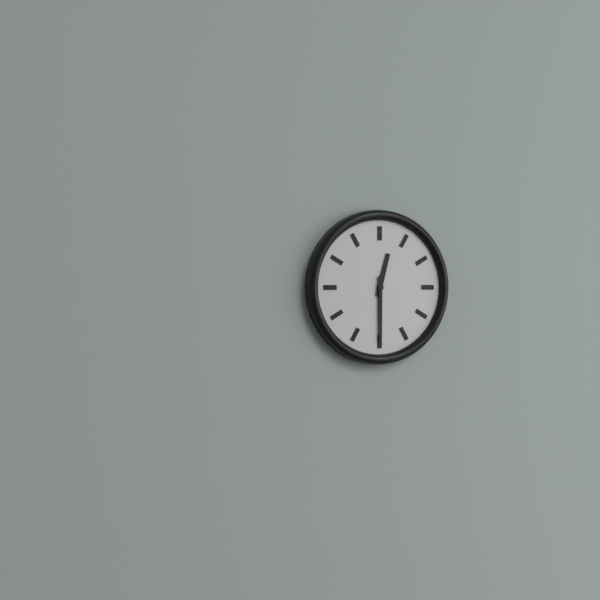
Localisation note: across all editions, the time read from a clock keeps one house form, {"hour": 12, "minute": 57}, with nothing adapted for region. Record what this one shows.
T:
{"hour": 12, "minute": 30}
